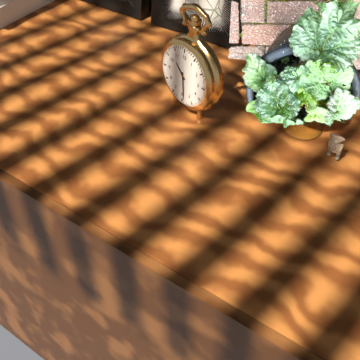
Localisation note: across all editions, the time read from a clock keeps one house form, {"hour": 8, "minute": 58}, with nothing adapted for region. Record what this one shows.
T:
{"hour": 10, "minute": 29}
